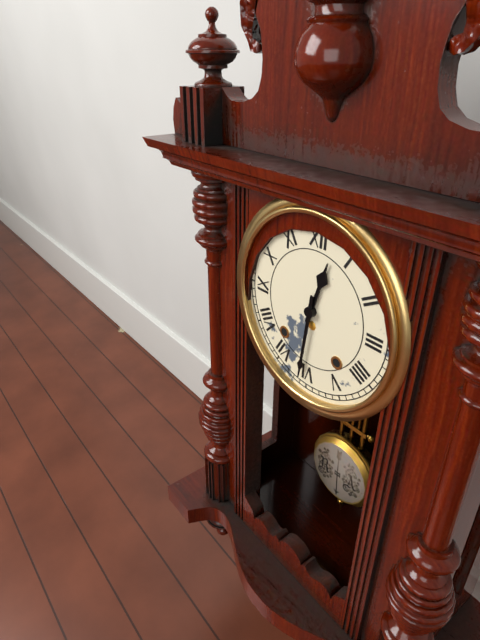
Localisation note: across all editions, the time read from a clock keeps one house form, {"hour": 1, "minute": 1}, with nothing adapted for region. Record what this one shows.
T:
{"hour": 12, "minute": 31}
